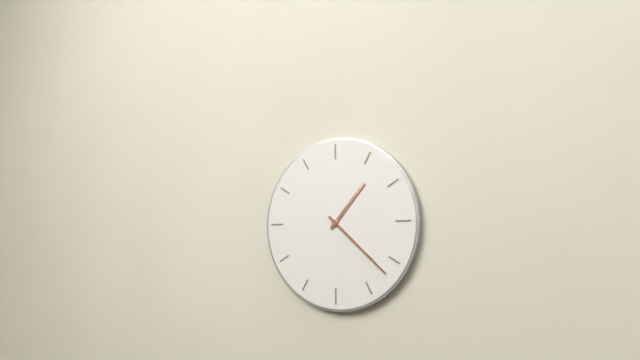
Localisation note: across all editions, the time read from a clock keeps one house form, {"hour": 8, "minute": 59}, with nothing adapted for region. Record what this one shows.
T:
{"hour": 1, "minute": 22}
